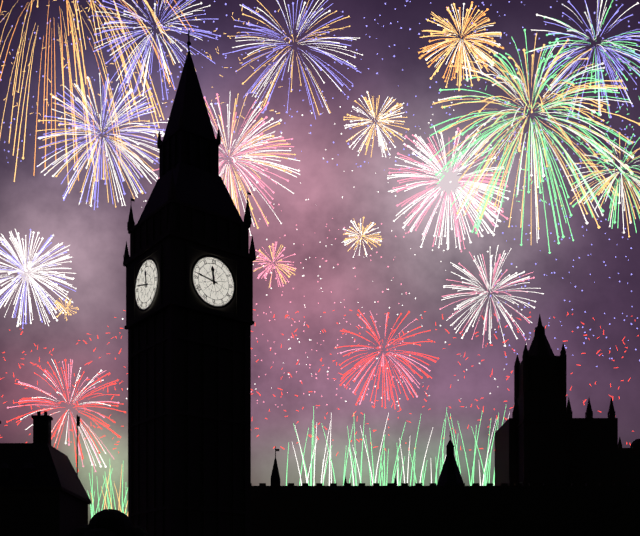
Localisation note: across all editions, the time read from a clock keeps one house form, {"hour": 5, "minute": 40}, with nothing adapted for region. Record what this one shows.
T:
{"hour": 11, "minute": 47}
